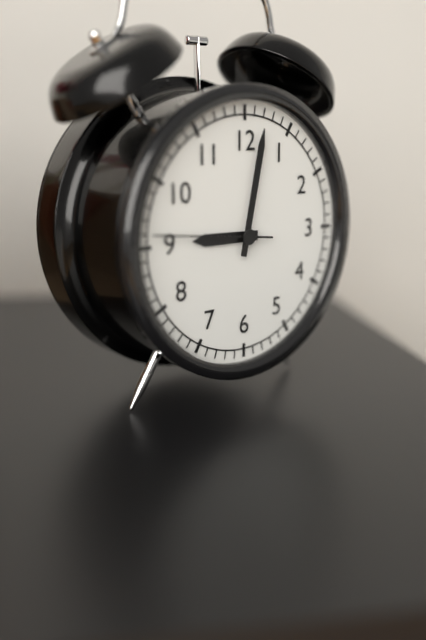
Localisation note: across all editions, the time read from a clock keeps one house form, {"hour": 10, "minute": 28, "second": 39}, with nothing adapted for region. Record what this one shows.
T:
{"hour": 9, "minute": 2, "second": 46}
